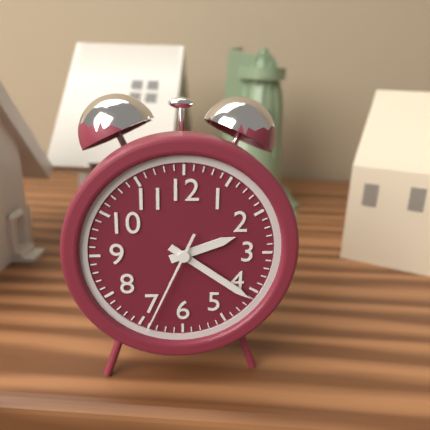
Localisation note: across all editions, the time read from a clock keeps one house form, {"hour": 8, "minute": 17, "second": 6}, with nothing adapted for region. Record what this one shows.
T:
{"hour": 2, "minute": 21, "second": 34}
